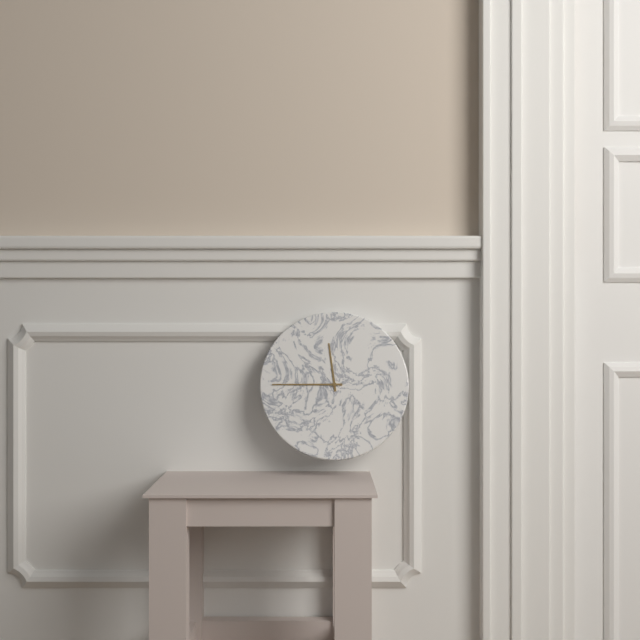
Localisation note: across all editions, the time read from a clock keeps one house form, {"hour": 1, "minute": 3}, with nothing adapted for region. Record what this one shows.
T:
{"hour": 11, "minute": 45}
